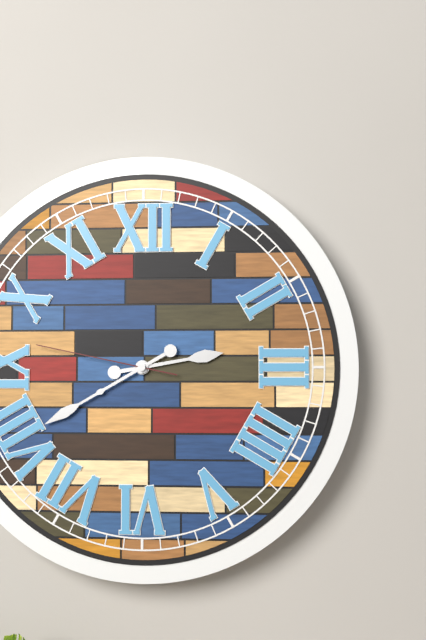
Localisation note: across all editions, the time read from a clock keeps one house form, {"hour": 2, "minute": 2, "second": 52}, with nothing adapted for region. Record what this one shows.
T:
{"hour": 2, "minute": 40, "second": 47}
